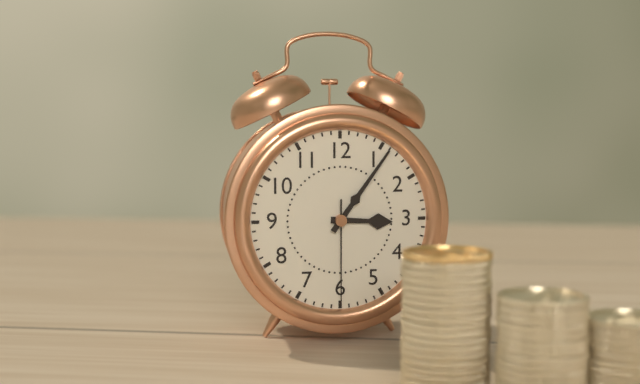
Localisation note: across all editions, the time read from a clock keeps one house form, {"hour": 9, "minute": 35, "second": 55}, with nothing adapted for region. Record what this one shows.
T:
{"hour": 3, "minute": 6, "second": 30}
